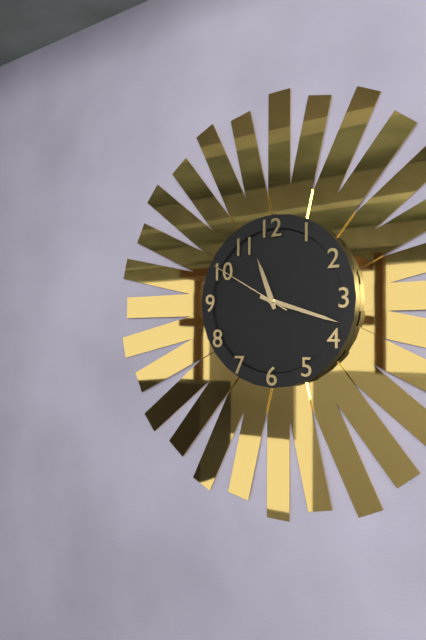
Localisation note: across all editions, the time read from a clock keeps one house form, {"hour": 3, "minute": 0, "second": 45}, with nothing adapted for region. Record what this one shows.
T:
{"hour": 11, "minute": 18, "second": 50}
